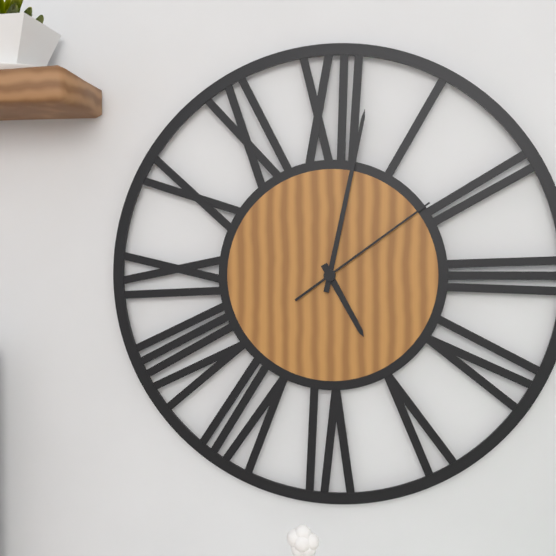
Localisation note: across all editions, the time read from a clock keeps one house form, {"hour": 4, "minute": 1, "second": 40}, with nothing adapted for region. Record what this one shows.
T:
{"hour": 5, "minute": 2, "second": 9}
